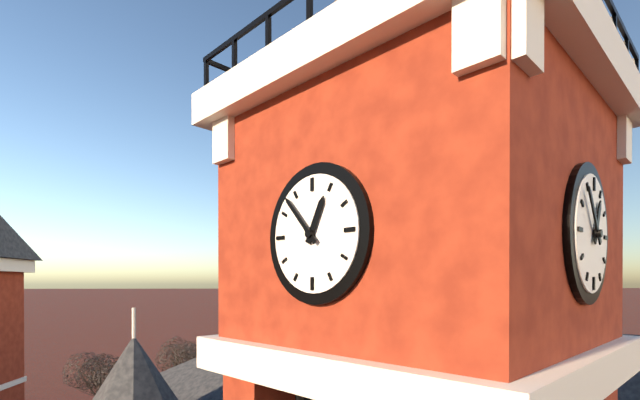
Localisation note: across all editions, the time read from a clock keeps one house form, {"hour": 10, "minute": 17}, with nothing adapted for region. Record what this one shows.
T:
{"hour": 12, "minute": 53}
